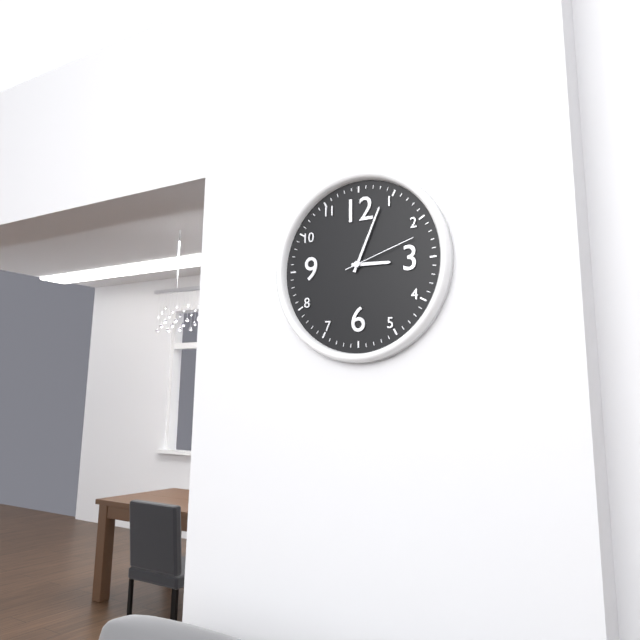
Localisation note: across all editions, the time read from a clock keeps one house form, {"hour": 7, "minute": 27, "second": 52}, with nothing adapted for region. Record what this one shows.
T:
{"hour": 3, "minute": 4, "second": 12}
